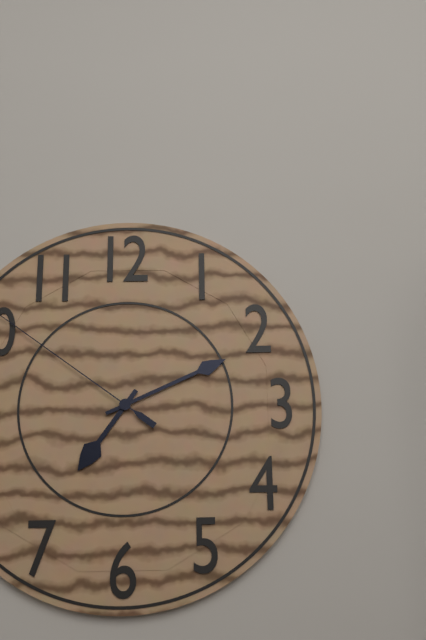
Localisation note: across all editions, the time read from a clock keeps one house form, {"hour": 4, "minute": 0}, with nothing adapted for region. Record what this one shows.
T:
{"hour": 7, "minute": 11}
